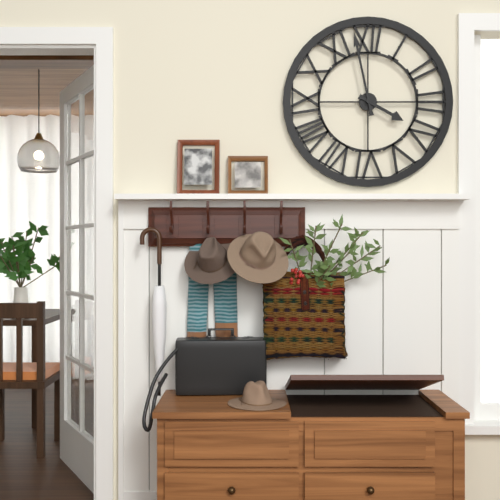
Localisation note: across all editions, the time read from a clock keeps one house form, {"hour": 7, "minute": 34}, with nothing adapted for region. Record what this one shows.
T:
{"hour": 3, "minute": 58}
